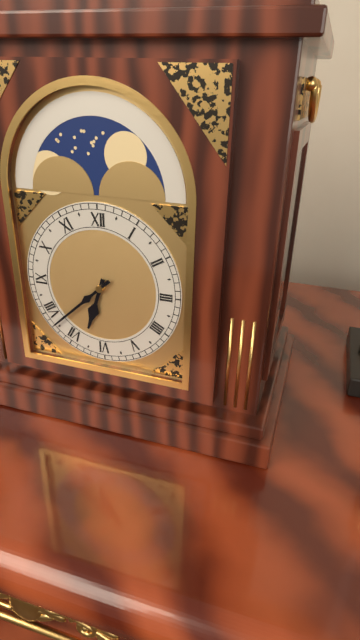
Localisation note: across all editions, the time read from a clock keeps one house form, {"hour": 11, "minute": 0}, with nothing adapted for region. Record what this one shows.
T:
{"hour": 6, "minute": 38}
